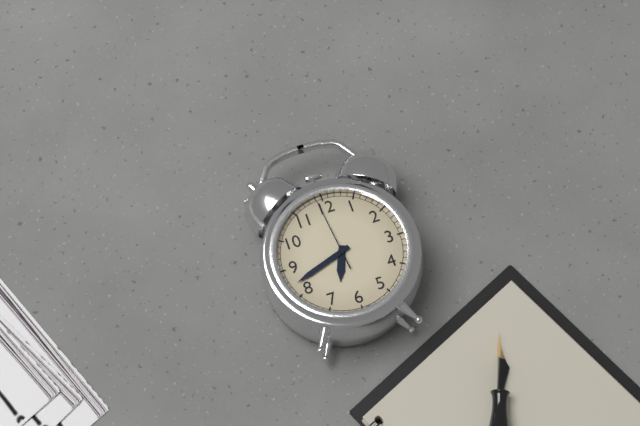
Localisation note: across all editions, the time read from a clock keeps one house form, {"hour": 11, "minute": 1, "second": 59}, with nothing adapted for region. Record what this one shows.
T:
{"hour": 6, "minute": 42, "second": 59}
